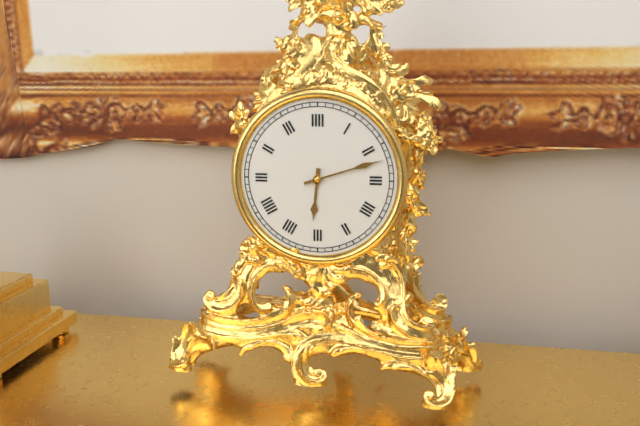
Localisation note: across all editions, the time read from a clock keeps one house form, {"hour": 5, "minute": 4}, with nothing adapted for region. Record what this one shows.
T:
{"hour": 6, "minute": 12}
